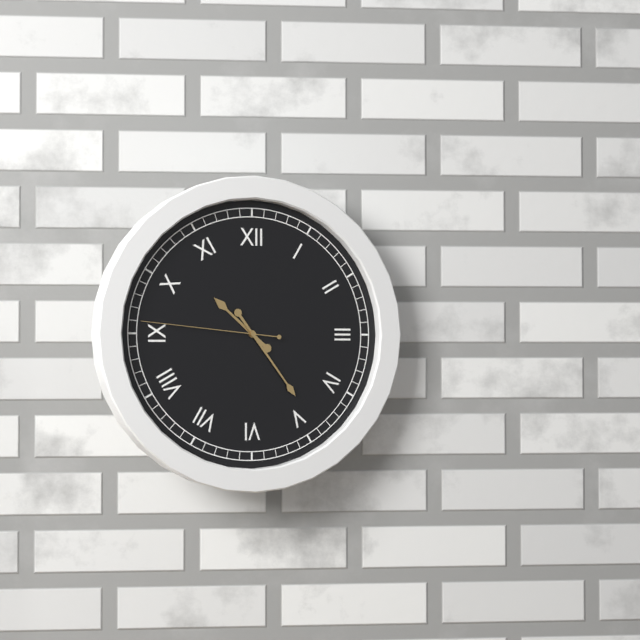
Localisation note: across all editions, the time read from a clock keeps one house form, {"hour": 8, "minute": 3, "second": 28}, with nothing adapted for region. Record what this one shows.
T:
{"hour": 10, "minute": 24, "second": 46}
